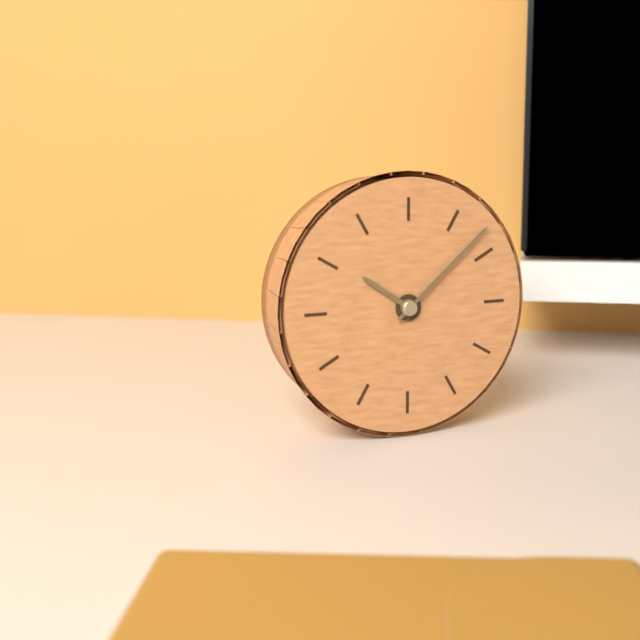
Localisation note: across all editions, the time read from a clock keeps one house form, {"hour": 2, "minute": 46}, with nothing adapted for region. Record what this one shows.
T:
{"hour": 10, "minute": 8}
